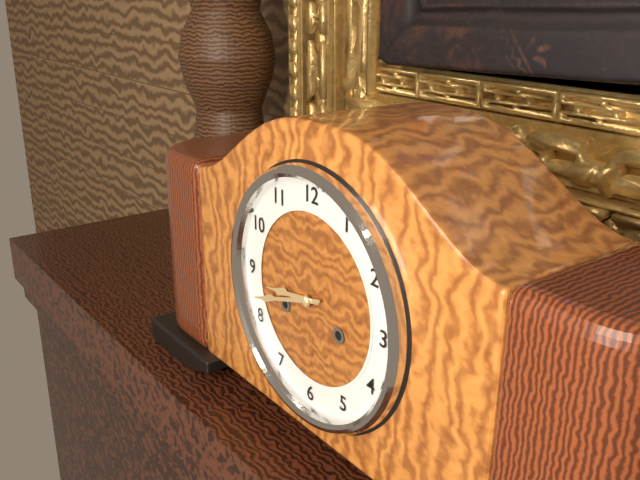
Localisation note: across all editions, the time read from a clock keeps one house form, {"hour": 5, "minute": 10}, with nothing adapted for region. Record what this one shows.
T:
{"hour": 8, "minute": 42}
